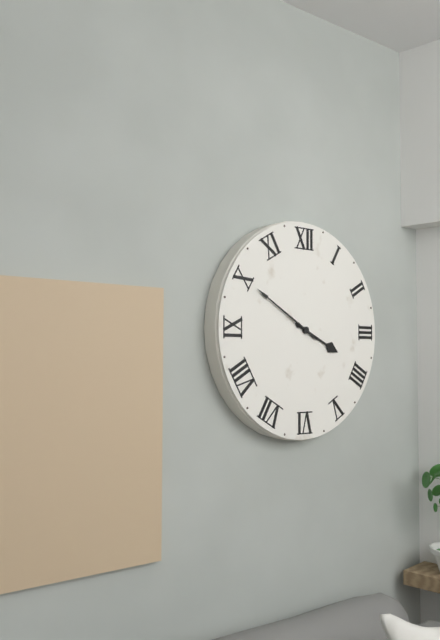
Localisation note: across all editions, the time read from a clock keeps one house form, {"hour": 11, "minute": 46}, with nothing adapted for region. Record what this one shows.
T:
{"hour": 3, "minute": 50}
